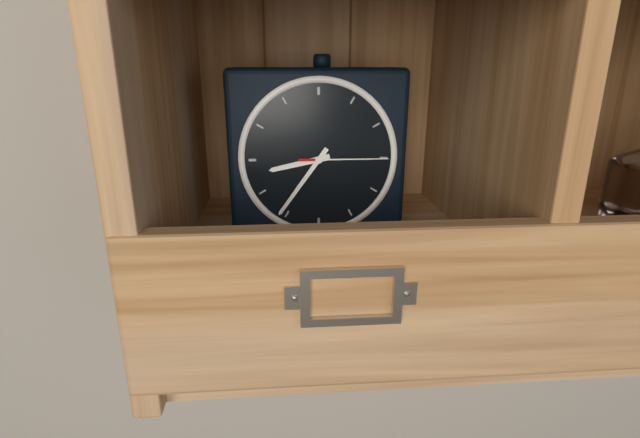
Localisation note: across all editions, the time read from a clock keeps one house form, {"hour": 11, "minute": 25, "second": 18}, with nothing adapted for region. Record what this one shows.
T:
{"hour": 8, "minute": 36, "second": 15}
